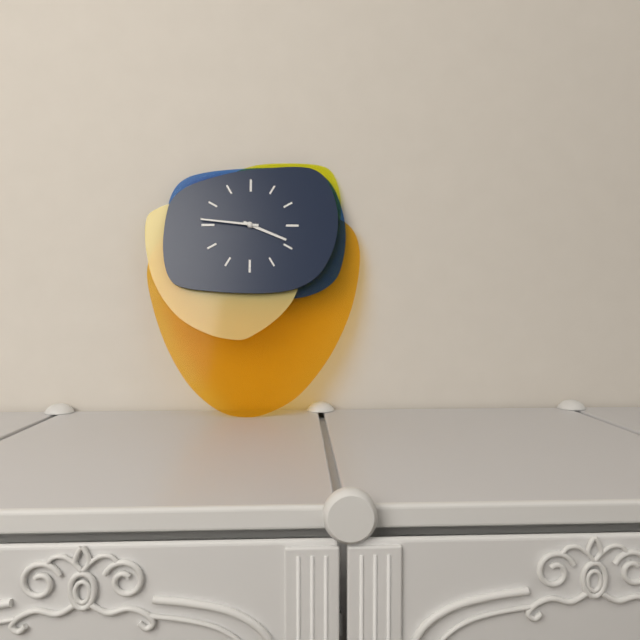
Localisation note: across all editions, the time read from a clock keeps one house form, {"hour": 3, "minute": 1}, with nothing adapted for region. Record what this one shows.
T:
{"hour": 3, "minute": 46}
